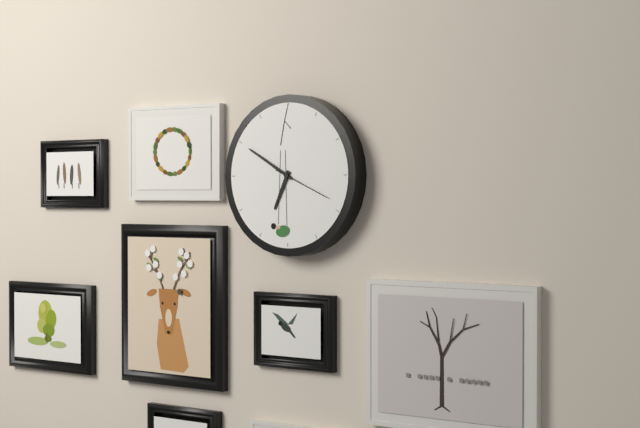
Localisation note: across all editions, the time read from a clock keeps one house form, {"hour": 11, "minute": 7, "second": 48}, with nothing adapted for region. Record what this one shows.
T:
{"hour": 6, "minute": 50, "second": 19}
